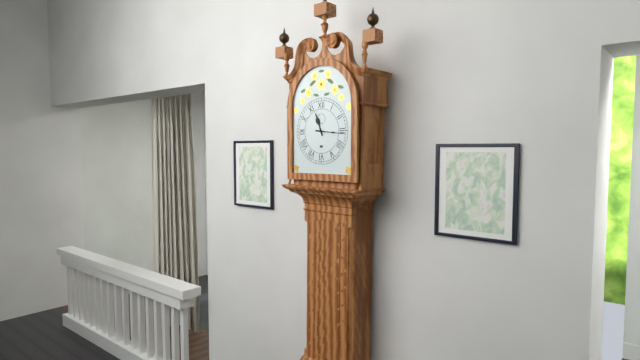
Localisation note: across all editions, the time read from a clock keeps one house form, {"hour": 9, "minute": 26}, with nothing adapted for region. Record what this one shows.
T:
{"hour": 11, "minute": 16}
